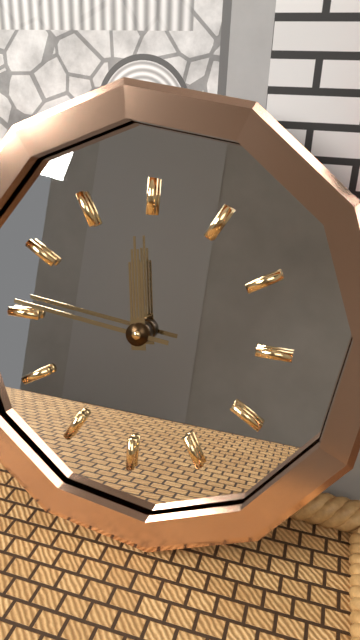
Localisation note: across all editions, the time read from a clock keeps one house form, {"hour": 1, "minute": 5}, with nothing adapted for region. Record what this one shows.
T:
{"hour": 11, "minute": 46}
